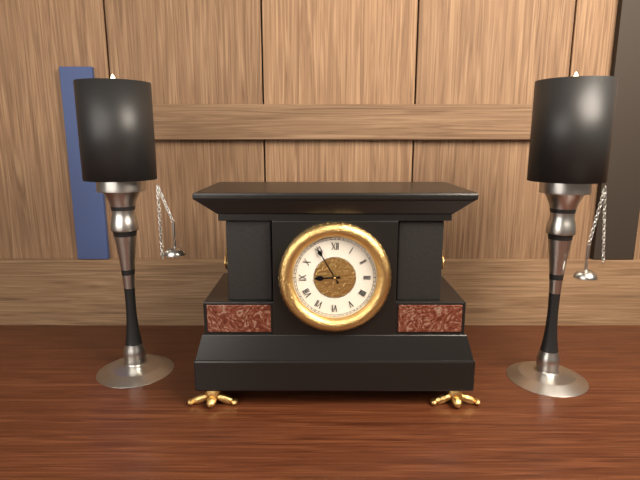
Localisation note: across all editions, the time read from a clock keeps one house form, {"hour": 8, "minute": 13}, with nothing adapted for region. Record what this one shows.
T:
{"hour": 8, "minute": 55}
